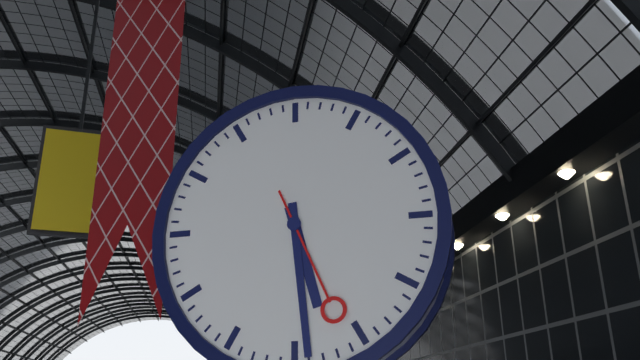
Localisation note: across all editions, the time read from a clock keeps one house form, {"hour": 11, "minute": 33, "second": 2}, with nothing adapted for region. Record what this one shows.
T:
{"hour": 5, "minute": 29, "second": 26}
